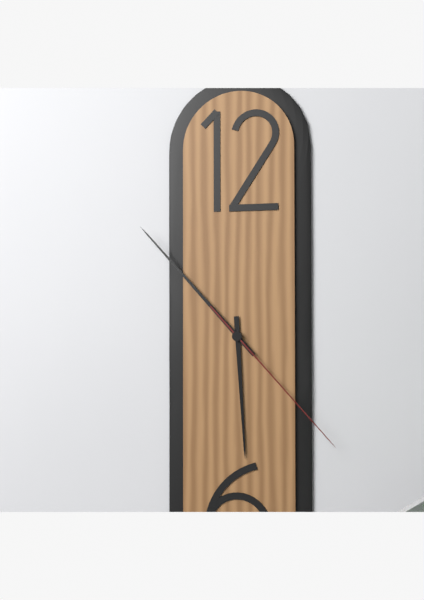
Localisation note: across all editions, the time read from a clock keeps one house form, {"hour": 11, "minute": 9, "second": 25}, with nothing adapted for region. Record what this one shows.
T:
{"hour": 5, "minute": 53, "second": 23}
